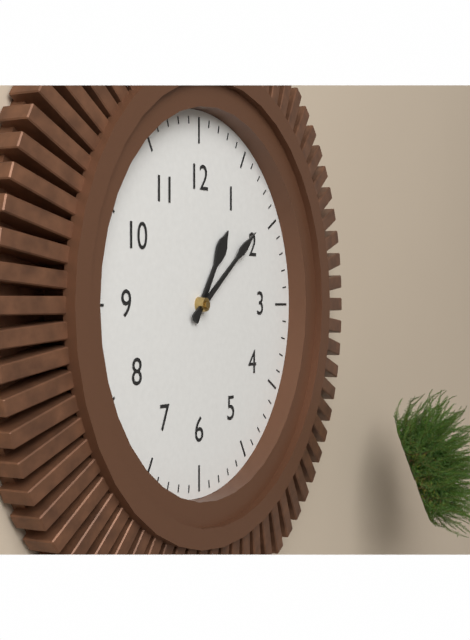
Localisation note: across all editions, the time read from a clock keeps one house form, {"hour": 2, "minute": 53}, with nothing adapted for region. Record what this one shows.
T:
{"hour": 1, "minute": 9}
